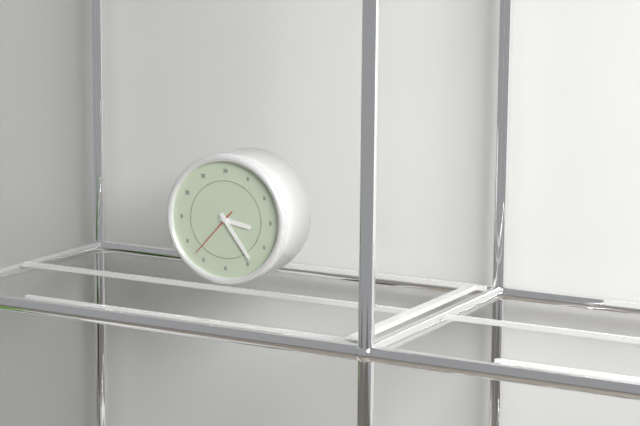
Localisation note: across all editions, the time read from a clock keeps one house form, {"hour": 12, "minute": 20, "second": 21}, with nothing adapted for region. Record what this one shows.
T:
{"hour": 3, "minute": 24, "second": 37}
